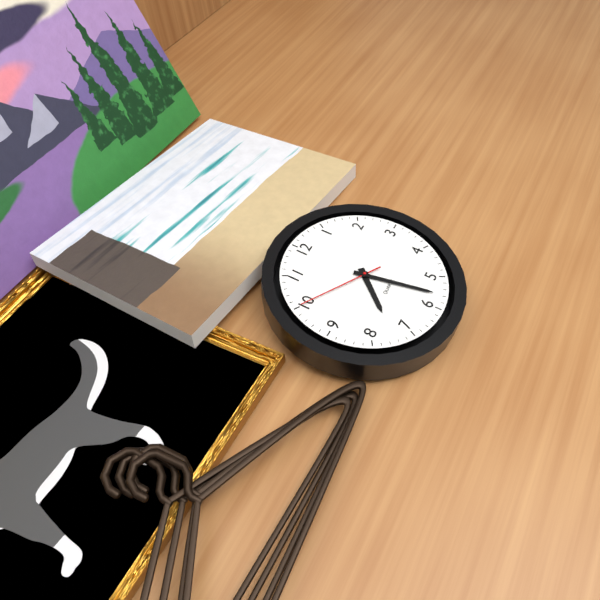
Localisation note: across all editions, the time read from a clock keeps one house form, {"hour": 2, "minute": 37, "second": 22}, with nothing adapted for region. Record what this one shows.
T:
{"hour": 7, "minute": 28, "second": 50}
